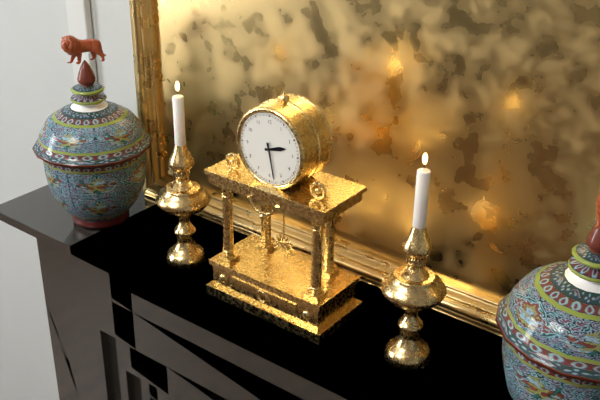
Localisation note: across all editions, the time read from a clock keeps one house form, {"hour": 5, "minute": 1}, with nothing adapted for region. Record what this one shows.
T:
{"hour": 2, "minute": 28}
